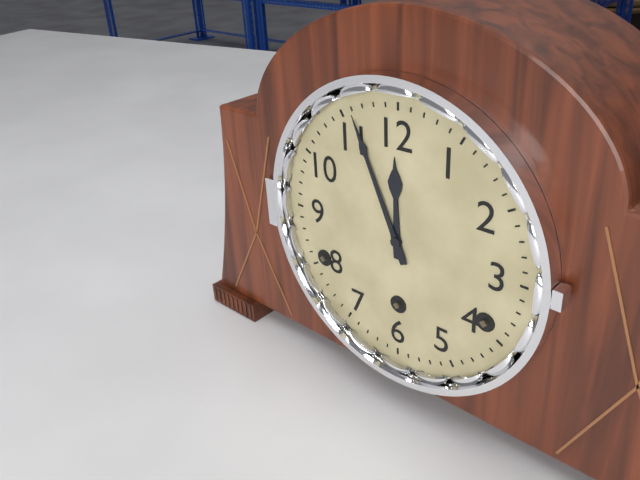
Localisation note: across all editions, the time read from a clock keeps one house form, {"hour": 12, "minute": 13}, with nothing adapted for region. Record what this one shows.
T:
{"hour": 11, "minute": 56}
